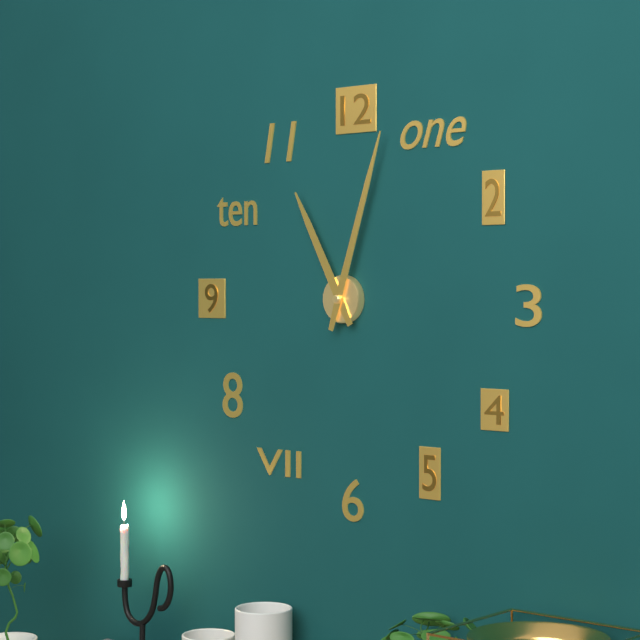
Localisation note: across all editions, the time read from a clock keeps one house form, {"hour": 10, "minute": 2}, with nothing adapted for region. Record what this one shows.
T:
{"hour": 11, "minute": 3}
